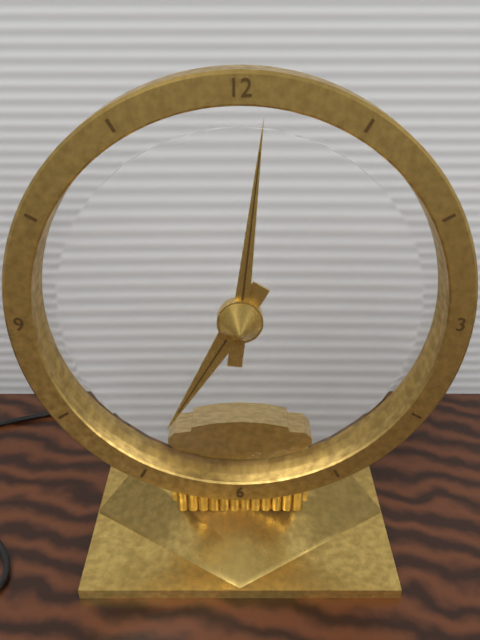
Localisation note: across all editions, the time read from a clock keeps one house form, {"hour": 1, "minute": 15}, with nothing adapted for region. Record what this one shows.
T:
{"hour": 7, "minute": 1}
